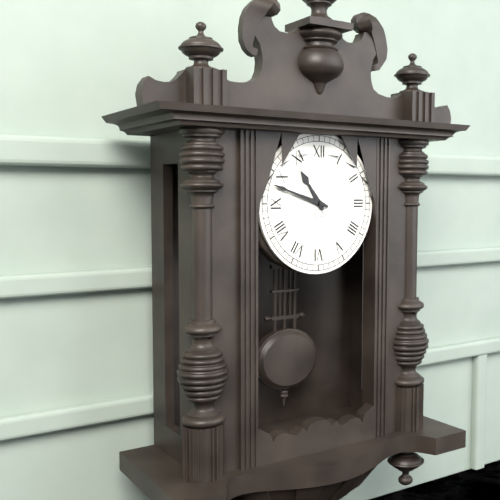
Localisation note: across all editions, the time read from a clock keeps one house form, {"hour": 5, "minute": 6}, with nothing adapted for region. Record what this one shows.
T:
{"hour": 10, "minute": 48}
